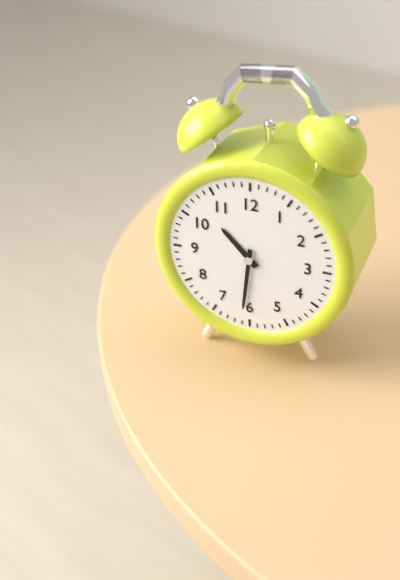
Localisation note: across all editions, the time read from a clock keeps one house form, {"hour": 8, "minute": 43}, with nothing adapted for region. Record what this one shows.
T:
{"hour": 10, "minute": 31}
